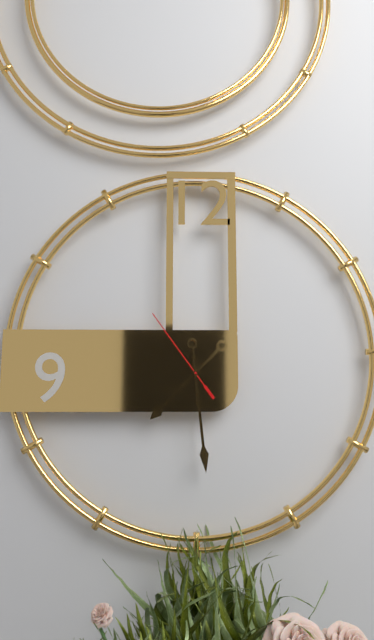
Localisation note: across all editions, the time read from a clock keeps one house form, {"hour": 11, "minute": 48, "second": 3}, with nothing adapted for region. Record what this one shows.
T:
{"hour": 7, "minute": 29, "second": 54}
